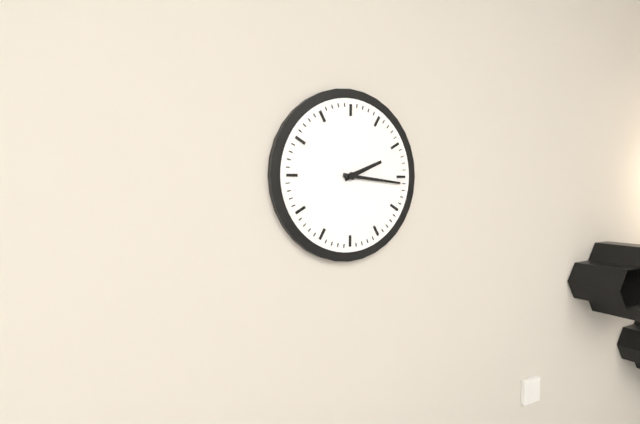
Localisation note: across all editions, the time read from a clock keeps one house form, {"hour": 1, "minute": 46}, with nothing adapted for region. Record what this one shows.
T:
{"hour": 2, "minute": 16}
